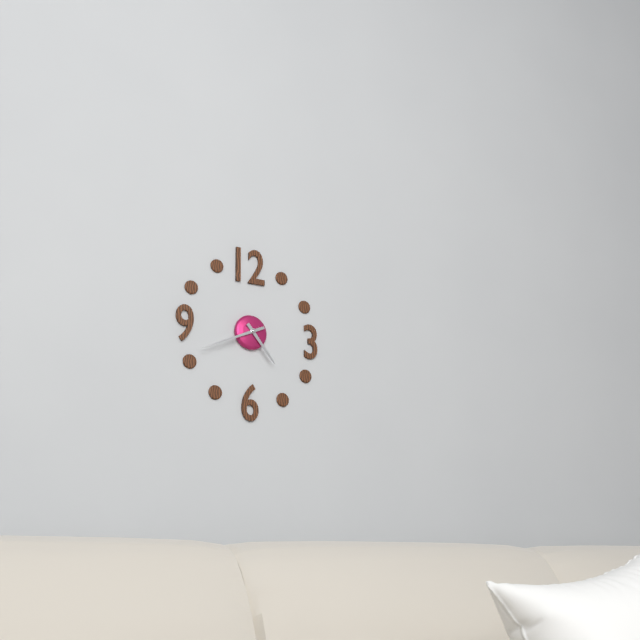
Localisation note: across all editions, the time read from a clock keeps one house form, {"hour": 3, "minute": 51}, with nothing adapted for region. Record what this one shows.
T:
{"hour": 4, "minute": 41}
